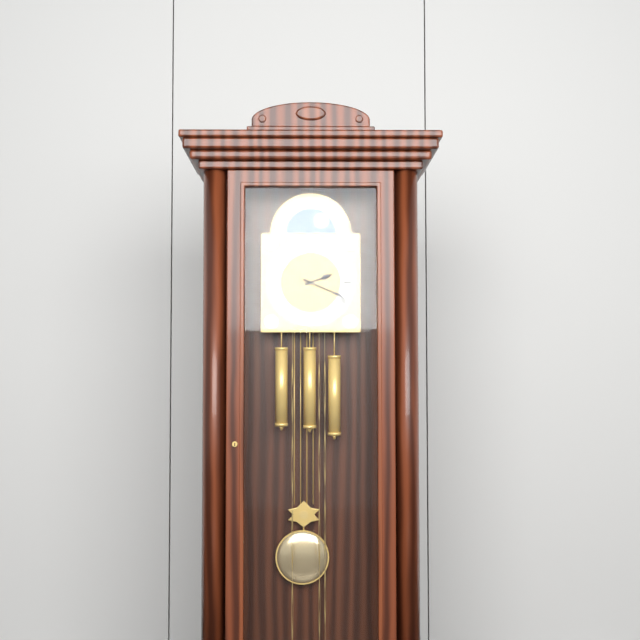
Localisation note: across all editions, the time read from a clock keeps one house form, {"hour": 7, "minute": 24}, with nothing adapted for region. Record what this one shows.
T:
{"hour": 2, "minute": 19}
